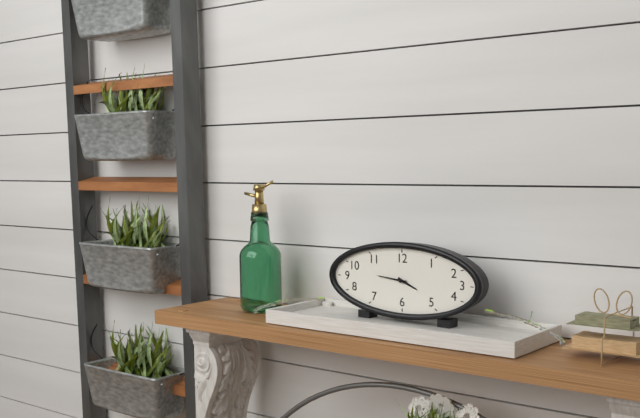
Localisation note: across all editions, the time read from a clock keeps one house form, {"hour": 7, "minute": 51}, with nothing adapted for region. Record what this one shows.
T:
{"hour": 3, "minute": 46}
